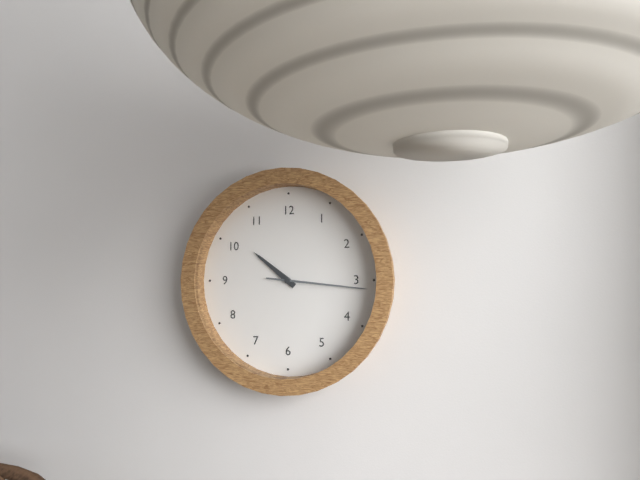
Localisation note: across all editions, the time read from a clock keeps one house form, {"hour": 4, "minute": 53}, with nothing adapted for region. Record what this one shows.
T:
{"hour": 10, "minute": 16}
